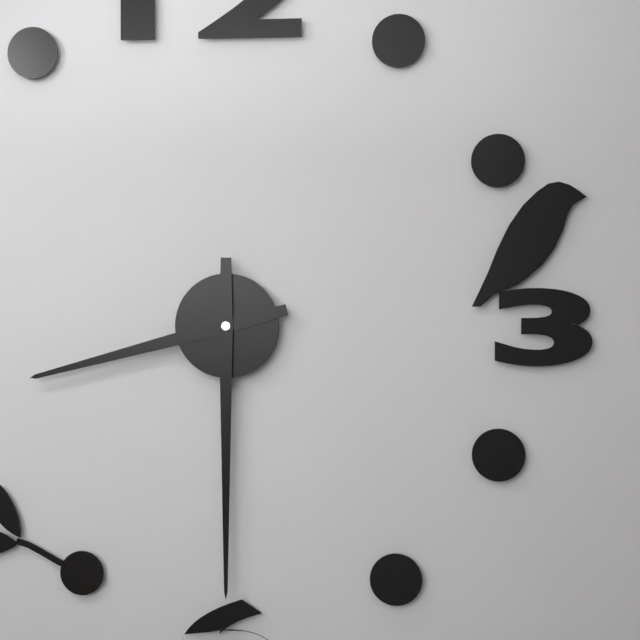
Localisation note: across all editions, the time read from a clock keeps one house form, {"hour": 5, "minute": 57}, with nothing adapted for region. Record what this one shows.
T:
{"hour": 8, "minute": 30}
